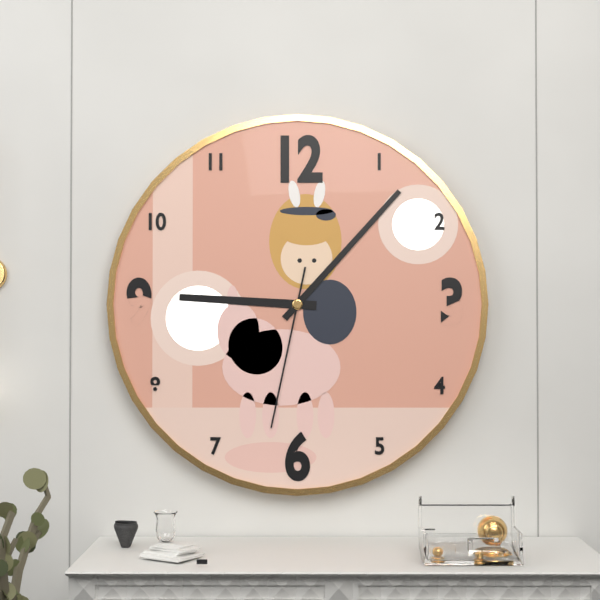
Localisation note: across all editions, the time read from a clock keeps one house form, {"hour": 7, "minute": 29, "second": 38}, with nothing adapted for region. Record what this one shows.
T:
{"hour": 9, "minute": 7, "second": 32}
